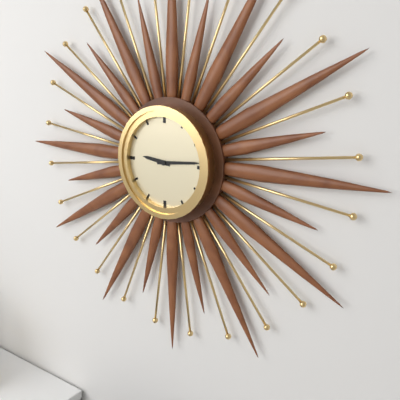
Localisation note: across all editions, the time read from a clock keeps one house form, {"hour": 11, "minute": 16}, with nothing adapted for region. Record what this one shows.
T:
{"hour": 9, "minute": 14}
